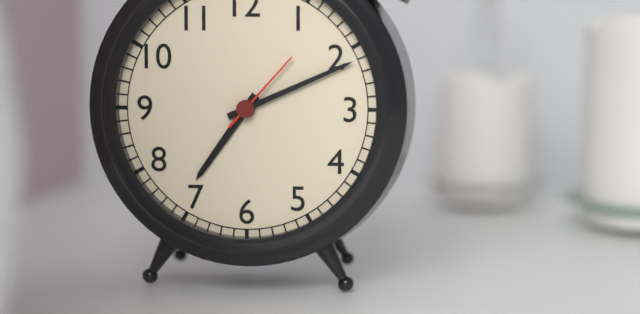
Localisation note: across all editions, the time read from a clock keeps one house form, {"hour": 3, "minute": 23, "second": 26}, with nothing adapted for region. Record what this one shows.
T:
{"hour": 7, "minute": 11, "second": 7}
